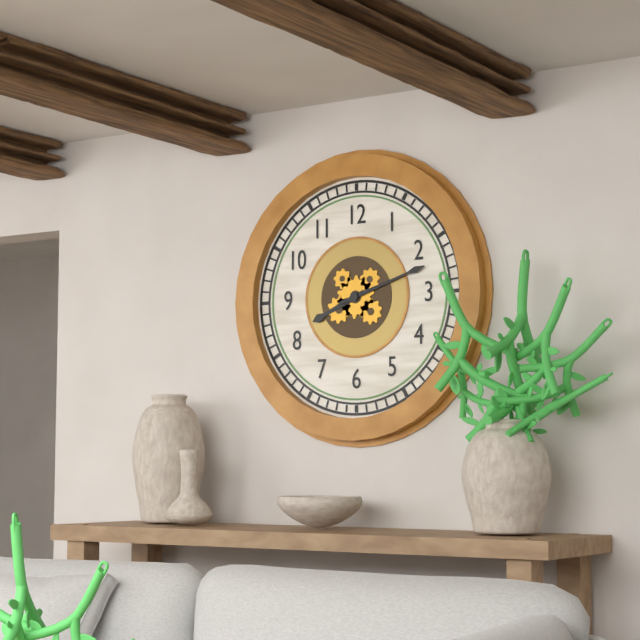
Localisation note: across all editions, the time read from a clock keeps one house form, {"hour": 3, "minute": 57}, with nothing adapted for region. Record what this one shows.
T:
{"hour": 8, "minute": 12}
